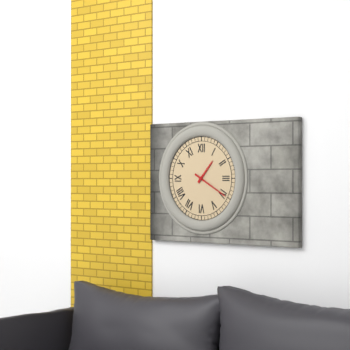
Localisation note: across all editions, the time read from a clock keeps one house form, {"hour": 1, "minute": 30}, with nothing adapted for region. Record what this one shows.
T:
{"hour": 1, "minute": 20}
